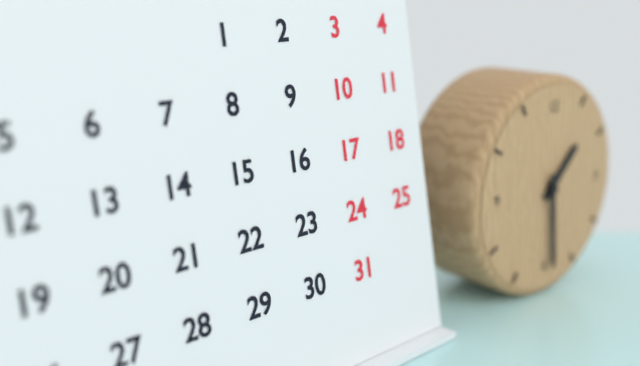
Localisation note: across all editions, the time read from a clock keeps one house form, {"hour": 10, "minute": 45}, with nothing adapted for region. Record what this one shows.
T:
{"hour": 1, "minute": 29}
